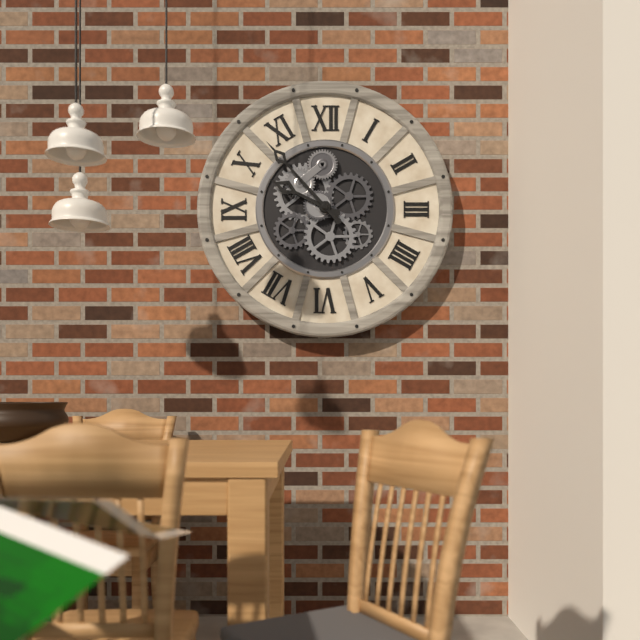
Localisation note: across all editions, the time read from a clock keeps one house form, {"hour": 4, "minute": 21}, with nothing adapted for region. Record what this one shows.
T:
{"hour": 9, "minute": 53}
